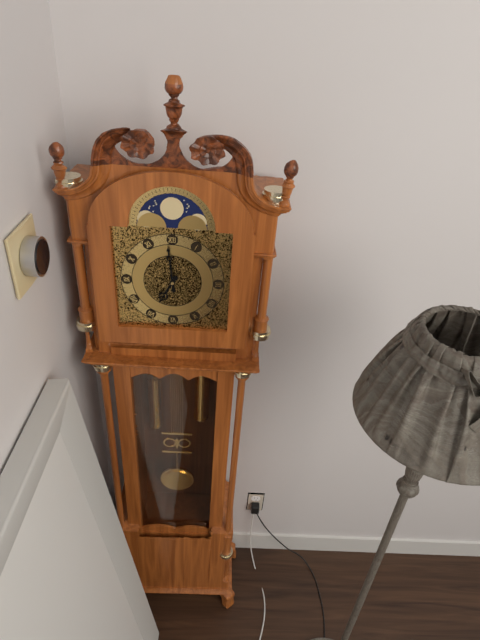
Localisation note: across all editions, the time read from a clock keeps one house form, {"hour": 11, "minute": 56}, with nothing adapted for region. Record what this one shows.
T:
{"hour": 6, "minute": 59}
